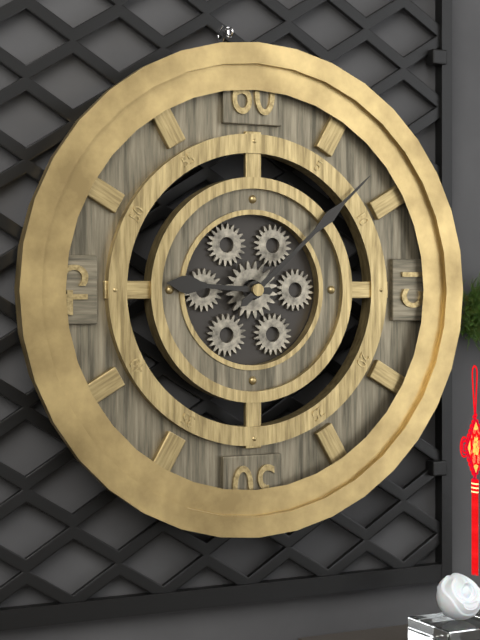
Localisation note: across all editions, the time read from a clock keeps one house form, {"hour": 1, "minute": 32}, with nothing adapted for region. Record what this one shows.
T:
{"hour": 9, "minute": 8}
